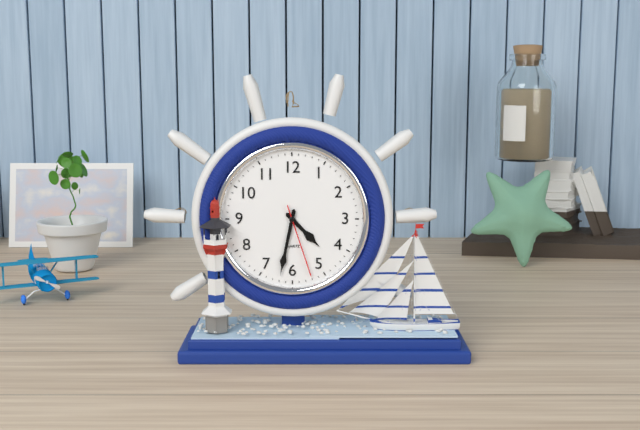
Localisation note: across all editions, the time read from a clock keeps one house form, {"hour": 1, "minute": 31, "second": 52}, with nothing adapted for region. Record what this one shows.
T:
{"hour": 4, "minute": 32, "second": 27}
